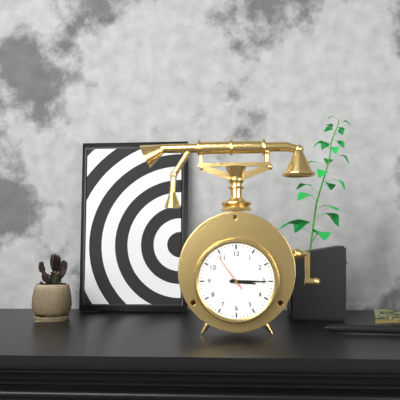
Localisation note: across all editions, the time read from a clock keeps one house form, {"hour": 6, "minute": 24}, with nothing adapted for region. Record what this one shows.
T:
{"hour": 3, "minute": 15}
